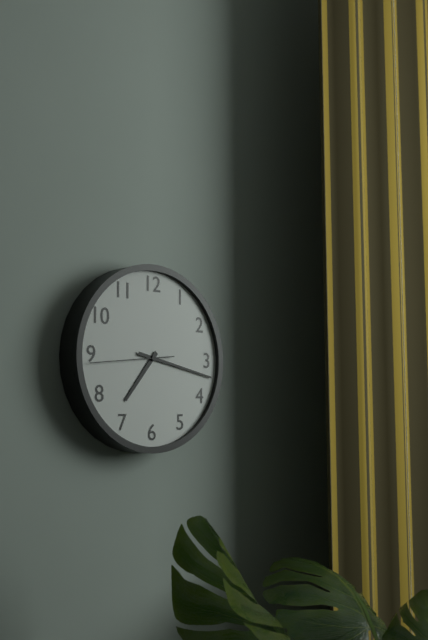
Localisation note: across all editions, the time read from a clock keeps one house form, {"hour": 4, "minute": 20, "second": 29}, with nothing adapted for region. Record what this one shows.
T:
{"hour": 7, "minute": 17, "second": 44}
